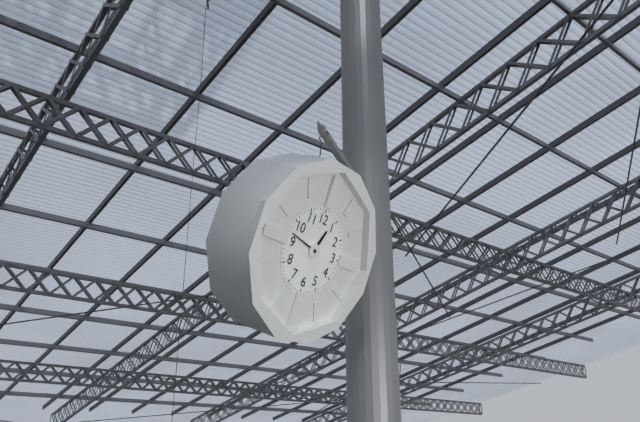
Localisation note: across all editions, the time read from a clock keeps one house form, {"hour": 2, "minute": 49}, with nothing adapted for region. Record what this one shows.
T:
{"hour": 12, "minute": 47}
